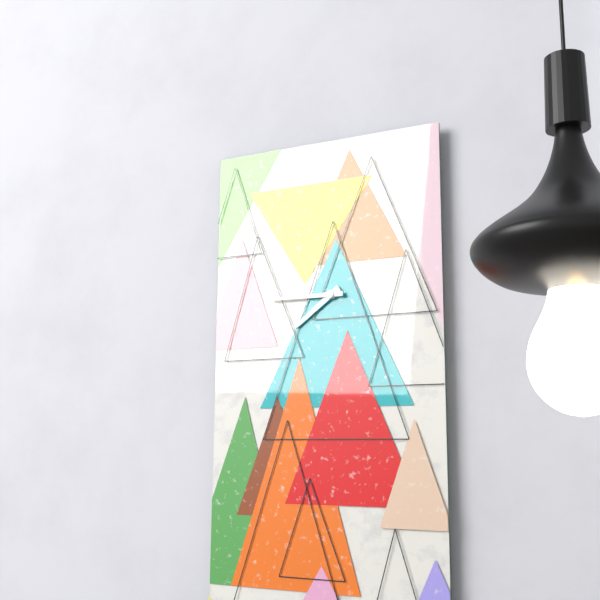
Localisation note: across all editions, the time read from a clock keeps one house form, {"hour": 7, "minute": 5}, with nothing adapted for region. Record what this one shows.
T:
{"hour": 7, "minute": 45}
